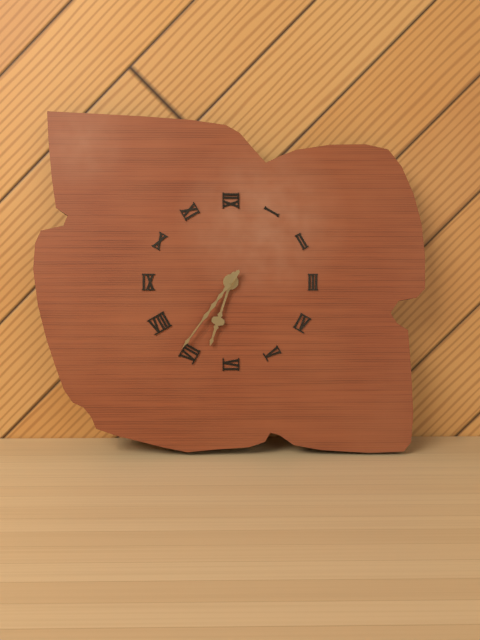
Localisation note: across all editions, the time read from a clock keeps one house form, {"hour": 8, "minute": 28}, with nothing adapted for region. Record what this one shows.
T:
{"hour": 6, "minute": 36}
